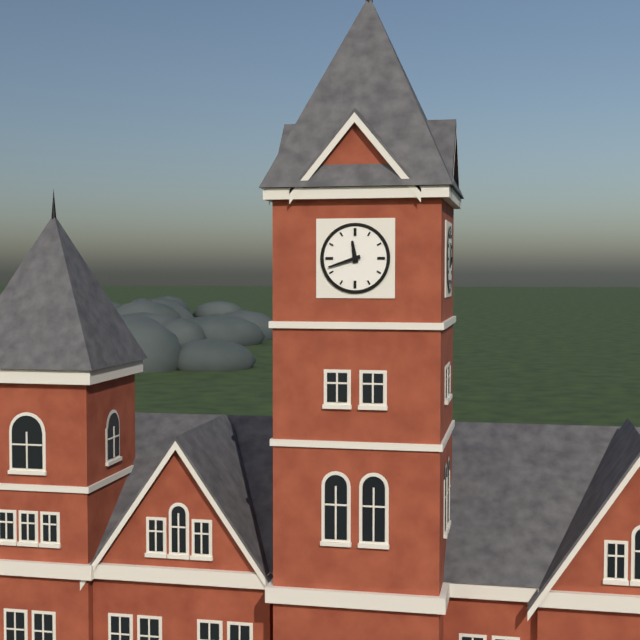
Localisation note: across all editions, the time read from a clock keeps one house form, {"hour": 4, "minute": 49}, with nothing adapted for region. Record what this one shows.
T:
{"hour": 11, "minute": 42}
